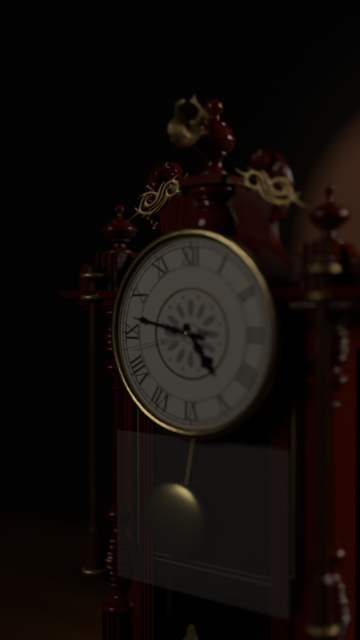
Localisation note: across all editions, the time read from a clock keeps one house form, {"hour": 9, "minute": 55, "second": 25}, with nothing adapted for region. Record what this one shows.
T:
{"hour": 4, "minute": 47, "second": 43}
